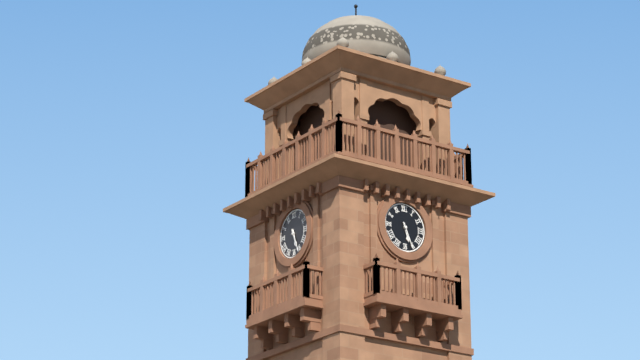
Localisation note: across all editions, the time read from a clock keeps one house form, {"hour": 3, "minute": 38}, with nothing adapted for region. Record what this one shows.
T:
{"hour": 5, "minute": 26}
